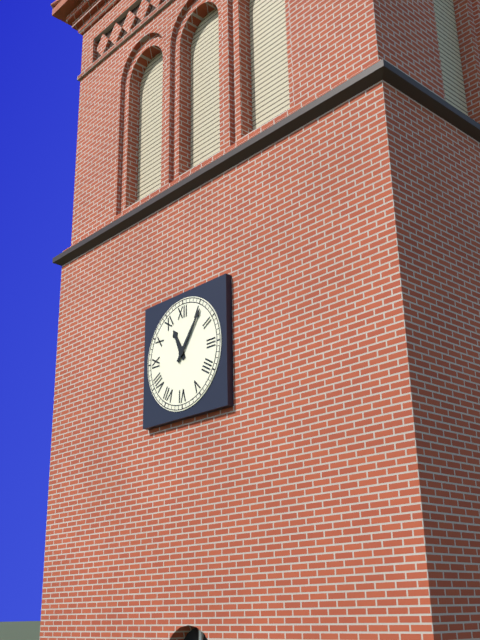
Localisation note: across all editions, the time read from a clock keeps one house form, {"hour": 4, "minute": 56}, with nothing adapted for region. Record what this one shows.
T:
{"hour": 11, "minute": 6}
